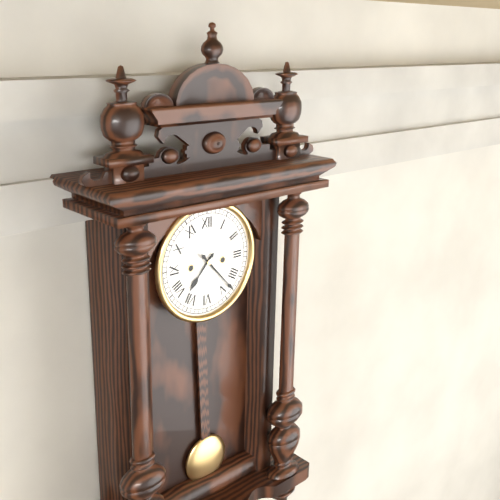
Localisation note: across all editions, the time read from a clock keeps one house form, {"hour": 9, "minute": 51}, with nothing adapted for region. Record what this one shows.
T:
{"hour": 7, "minute": 23}
